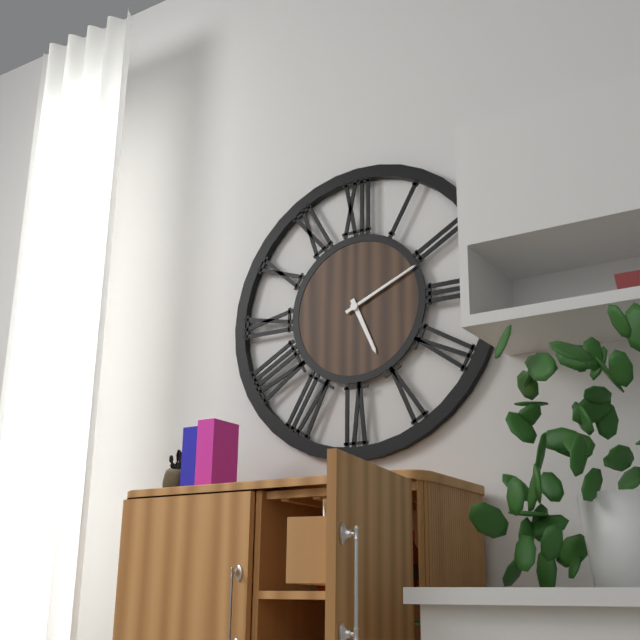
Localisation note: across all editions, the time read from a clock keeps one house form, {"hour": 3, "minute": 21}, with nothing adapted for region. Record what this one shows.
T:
{"hour": 5, "minute": 11}
